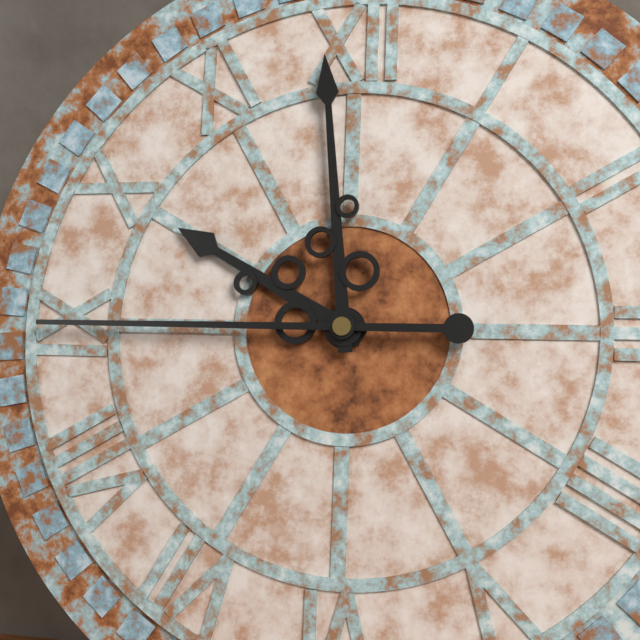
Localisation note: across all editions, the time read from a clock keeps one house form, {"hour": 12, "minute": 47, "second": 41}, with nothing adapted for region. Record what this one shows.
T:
{"hour": 9, "minute": 59, "second": 45}
